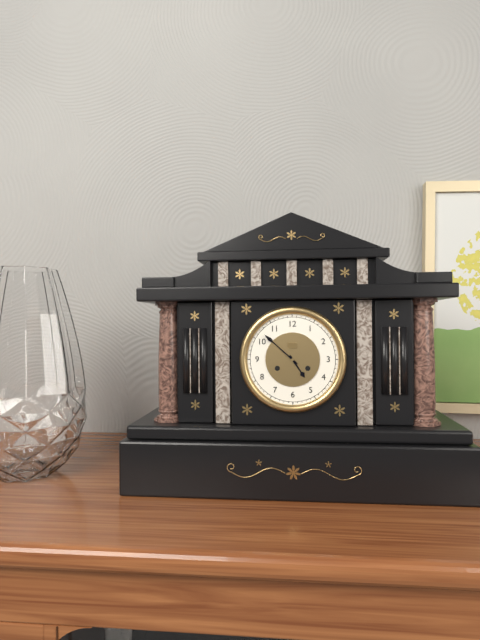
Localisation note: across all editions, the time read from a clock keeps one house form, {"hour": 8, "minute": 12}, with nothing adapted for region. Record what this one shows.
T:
{"hour": 4, "minute": 52}
